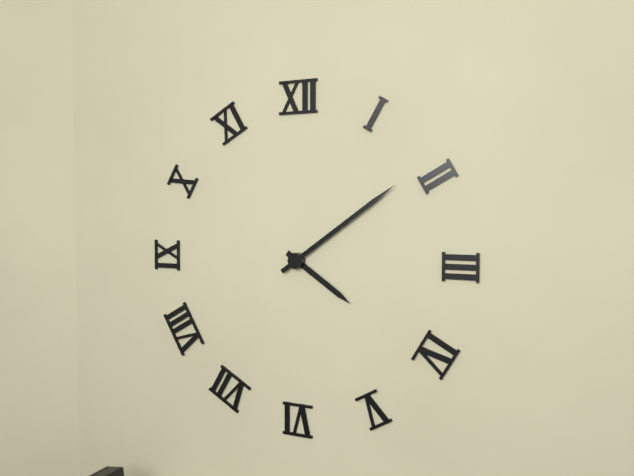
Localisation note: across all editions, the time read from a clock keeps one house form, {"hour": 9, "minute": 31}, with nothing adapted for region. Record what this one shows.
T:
{"hour": 4, "minute": 9}
